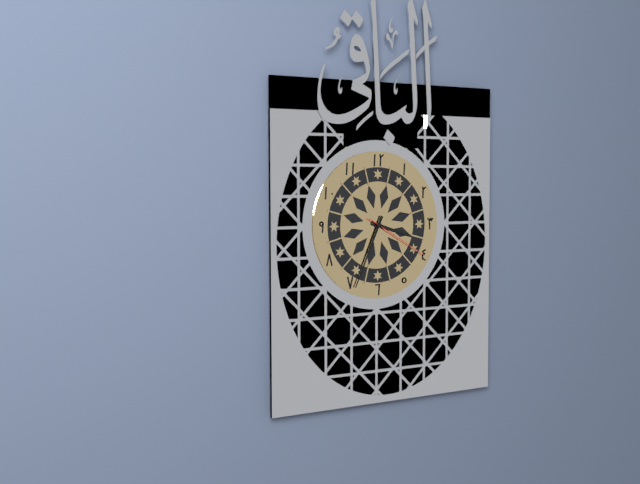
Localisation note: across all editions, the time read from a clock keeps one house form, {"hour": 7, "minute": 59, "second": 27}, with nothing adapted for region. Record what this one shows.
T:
{"hour": 3, "minute": 34, "second": 20}
